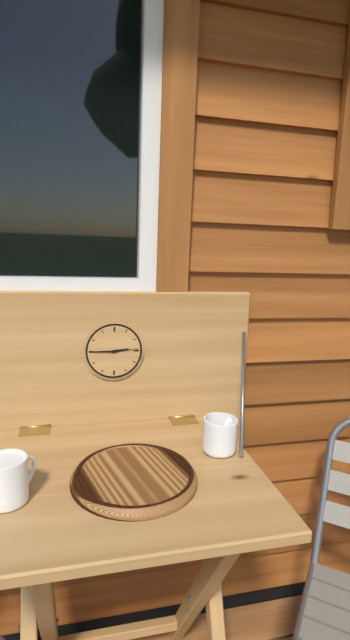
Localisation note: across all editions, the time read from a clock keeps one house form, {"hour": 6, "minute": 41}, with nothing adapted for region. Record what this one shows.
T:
{"hour": 2, "minute": 45}
